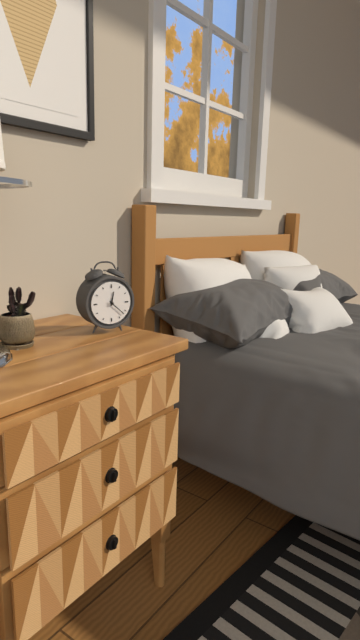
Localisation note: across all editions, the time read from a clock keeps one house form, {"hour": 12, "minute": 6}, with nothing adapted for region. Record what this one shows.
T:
{"hour": 12, "minute": 22}
